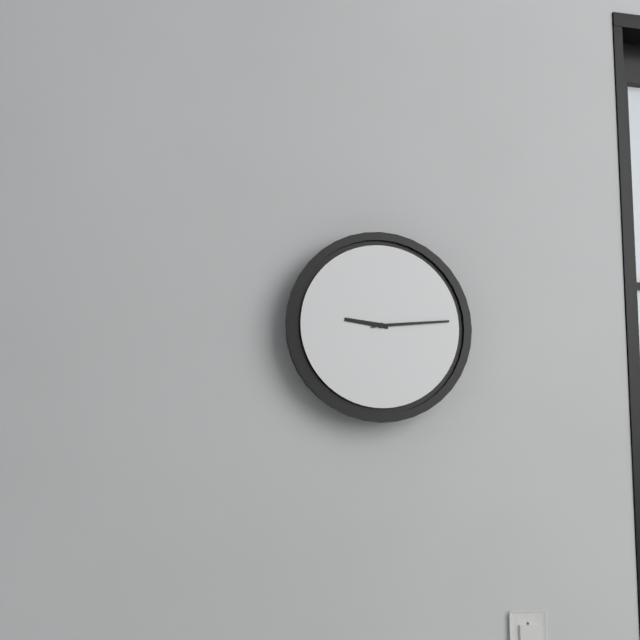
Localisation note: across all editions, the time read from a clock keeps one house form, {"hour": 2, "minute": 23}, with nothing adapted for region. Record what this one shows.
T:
{"hour": 9, "minute": 14}
